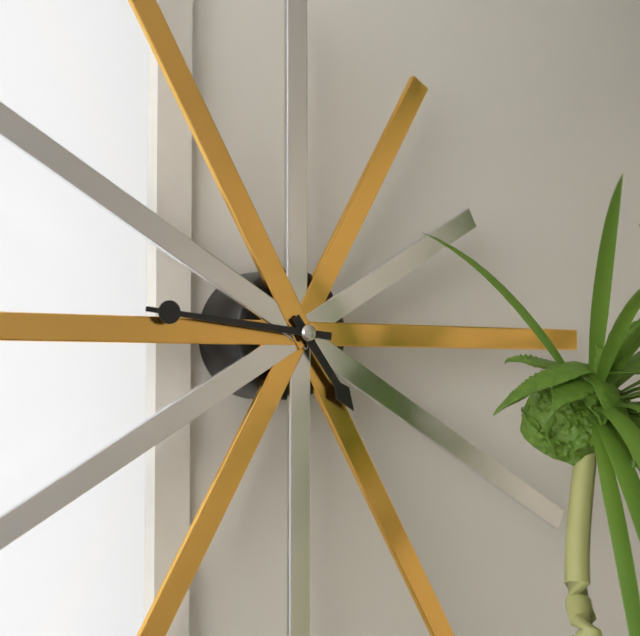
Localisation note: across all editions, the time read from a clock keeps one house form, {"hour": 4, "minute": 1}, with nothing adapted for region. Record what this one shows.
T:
{"hour": 4, "minute": 46}
